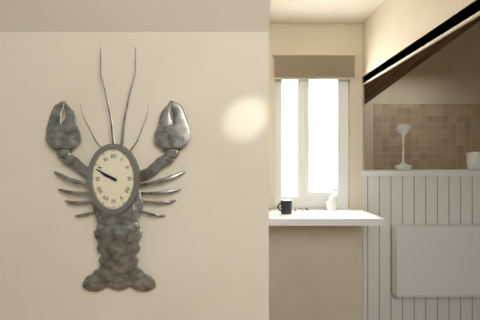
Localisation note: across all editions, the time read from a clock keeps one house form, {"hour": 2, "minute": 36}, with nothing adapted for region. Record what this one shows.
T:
{"hour": 9, "minute": 50}
